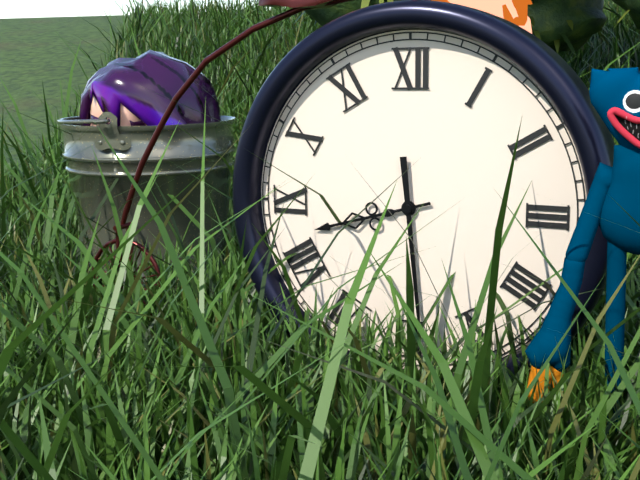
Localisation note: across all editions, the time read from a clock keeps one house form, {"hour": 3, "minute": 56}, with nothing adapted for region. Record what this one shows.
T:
{"hour": 8, "minute": 29}
